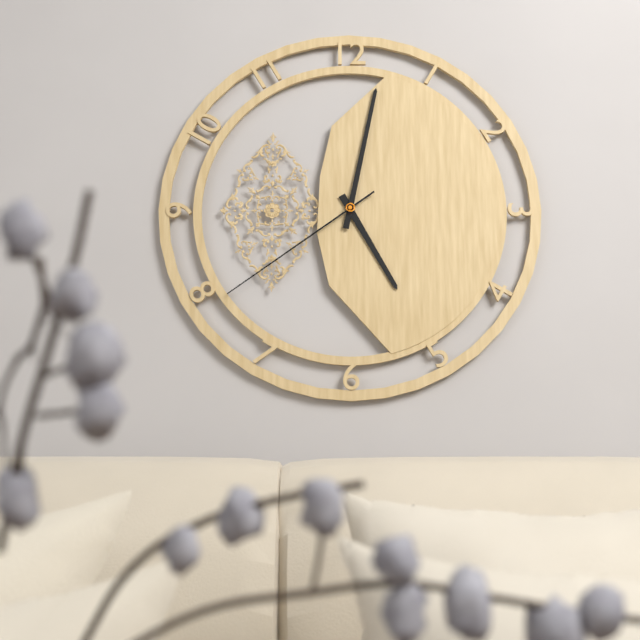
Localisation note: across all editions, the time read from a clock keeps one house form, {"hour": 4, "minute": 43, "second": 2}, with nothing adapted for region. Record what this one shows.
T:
{"hour": 5, "minute": 2, "second": 39}
